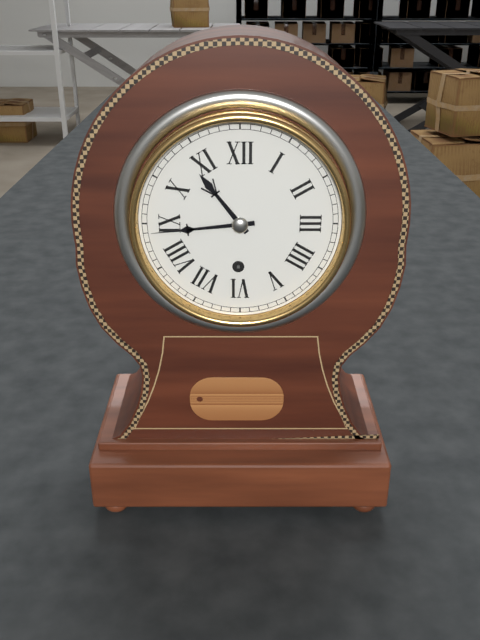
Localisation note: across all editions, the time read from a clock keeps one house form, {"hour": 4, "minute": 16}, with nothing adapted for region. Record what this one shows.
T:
{"hour": 10, "minute": 44}
